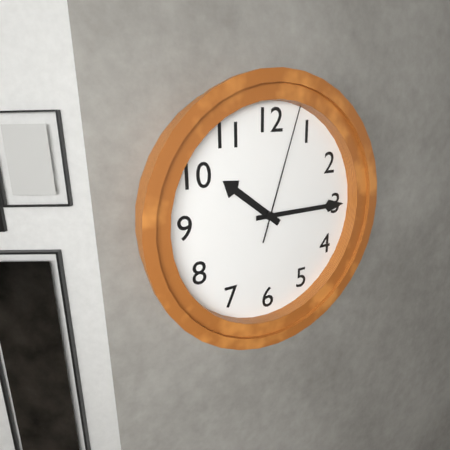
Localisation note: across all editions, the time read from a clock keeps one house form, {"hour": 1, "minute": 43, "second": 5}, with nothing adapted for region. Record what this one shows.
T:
{"hour": 10, "minute": 15, "second": 3}
